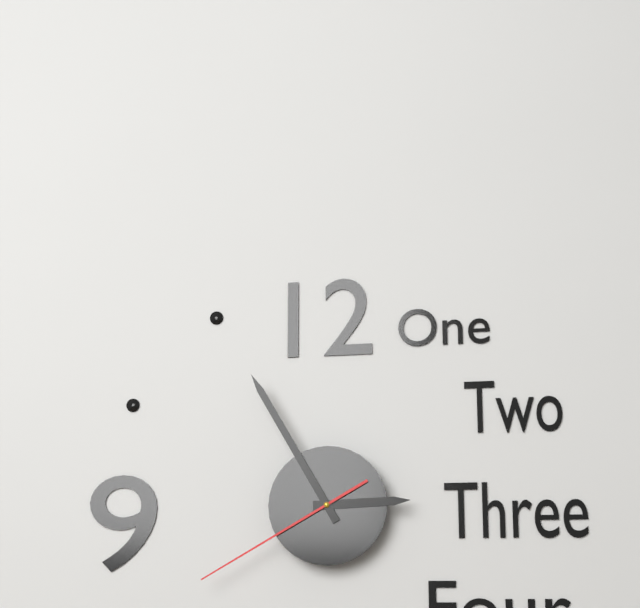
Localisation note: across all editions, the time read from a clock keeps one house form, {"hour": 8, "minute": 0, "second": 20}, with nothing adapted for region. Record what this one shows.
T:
{"hour": 2, "minute": 55, "second": 40}
